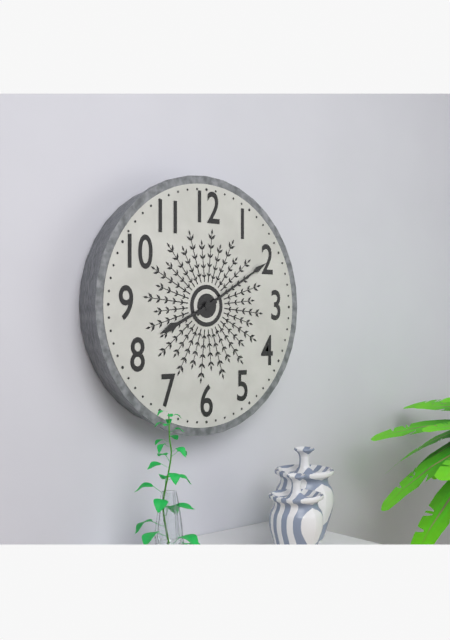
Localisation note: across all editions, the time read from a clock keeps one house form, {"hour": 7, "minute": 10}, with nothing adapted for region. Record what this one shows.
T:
{"hour": 8, "minute": 10}
